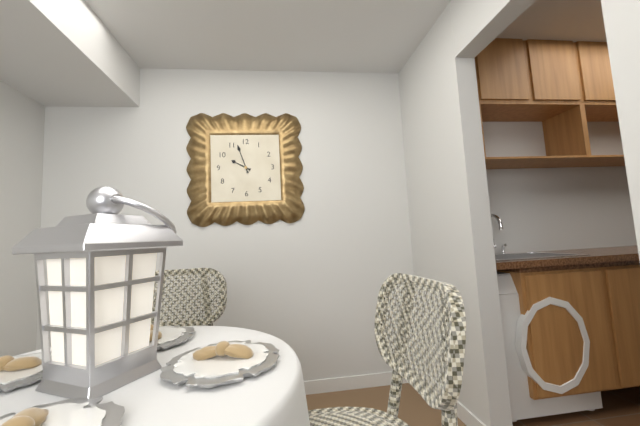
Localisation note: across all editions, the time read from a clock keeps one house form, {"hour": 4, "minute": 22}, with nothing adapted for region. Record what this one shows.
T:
{"hour": 9, "minute": 57}
